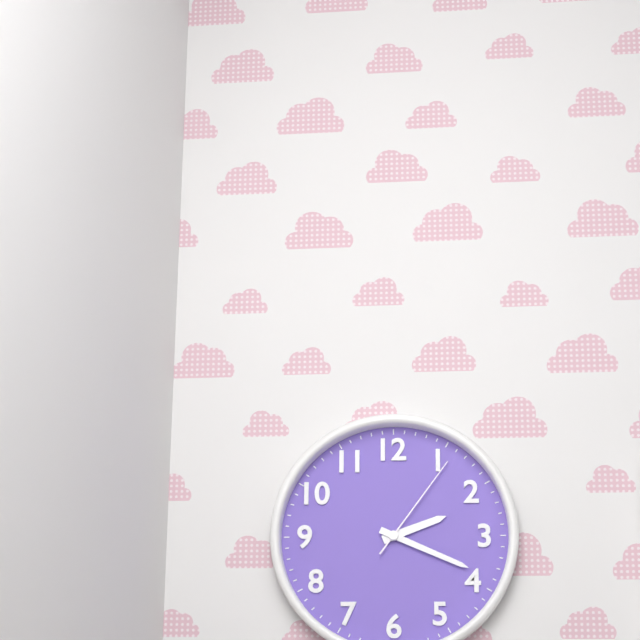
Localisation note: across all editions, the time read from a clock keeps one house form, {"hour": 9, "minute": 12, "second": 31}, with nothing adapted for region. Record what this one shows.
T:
{"hour": 2, "minute": 19, "second": 6}
